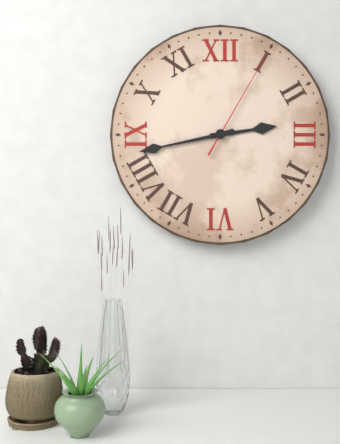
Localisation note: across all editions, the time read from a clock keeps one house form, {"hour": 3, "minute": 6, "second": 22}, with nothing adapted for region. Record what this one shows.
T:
{"hour": 2, "minute": 43, "second": 5}
